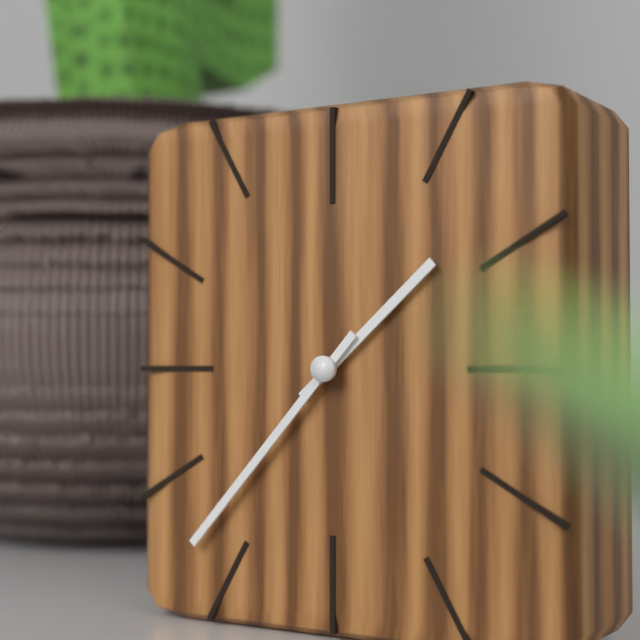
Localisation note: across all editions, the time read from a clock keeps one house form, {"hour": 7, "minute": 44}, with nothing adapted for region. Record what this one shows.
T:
{"hour": 1, "minute": 37}
